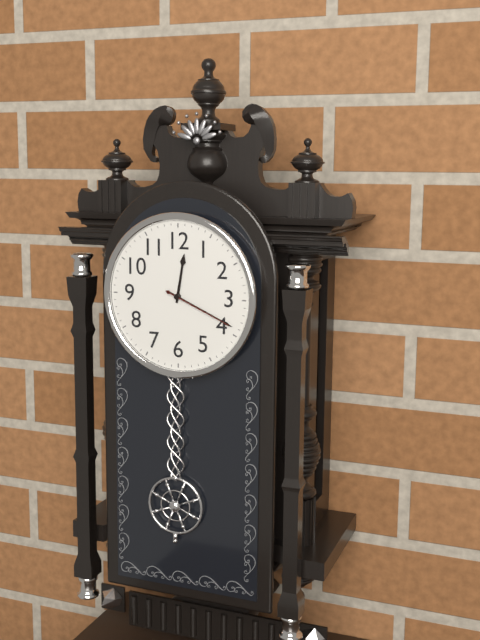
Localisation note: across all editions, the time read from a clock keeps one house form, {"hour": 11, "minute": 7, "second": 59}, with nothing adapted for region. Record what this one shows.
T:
{"hour": 12, "minute": 19, "second": 19}
